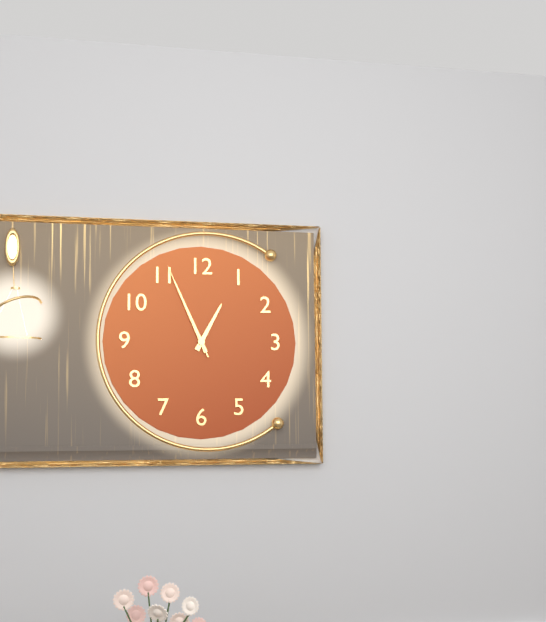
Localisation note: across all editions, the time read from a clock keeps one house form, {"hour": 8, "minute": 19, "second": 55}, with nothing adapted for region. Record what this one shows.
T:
{"hour": 12, "minute": 56, "second": 56}
